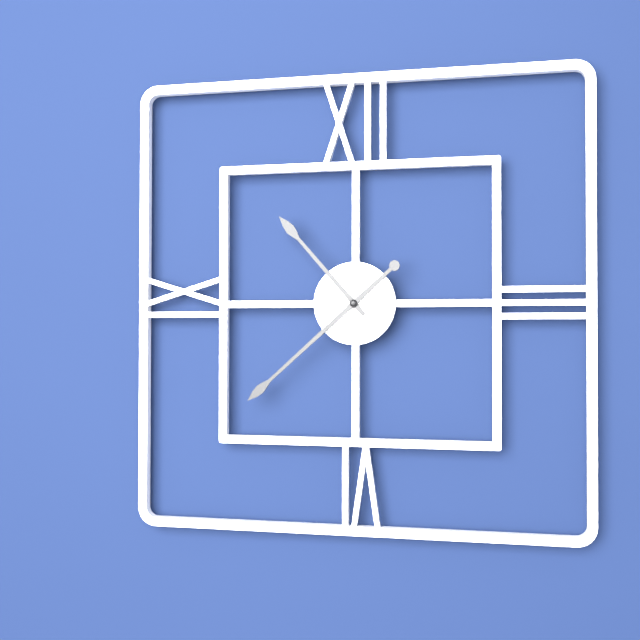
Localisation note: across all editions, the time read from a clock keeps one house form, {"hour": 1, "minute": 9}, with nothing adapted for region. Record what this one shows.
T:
{"hour": 10, "minute": 38}
